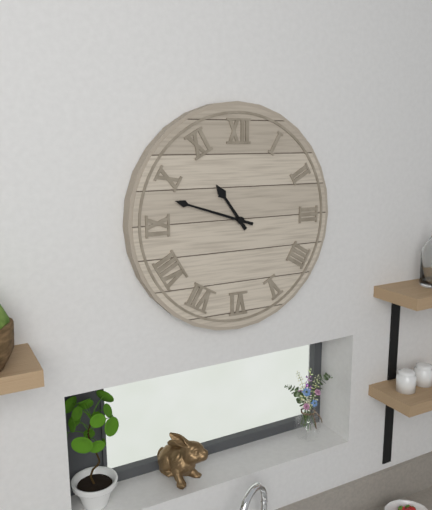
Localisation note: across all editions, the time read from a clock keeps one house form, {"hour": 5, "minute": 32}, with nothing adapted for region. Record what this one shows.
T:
{"hour": 10, "minute": 48}
